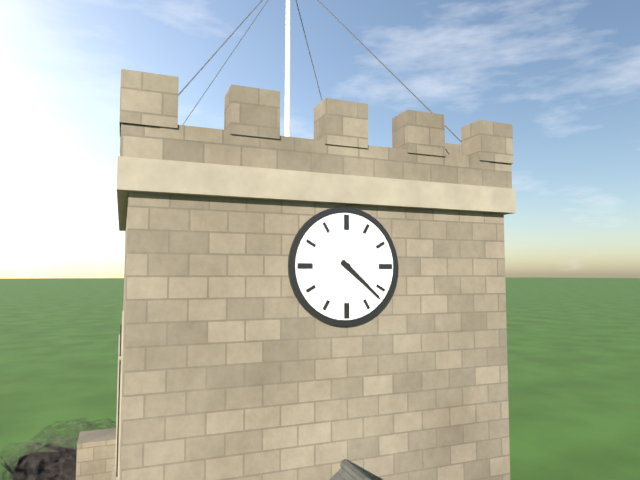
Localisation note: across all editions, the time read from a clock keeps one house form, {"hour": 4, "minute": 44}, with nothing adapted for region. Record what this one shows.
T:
{"hour": 4, "minute": 22}
